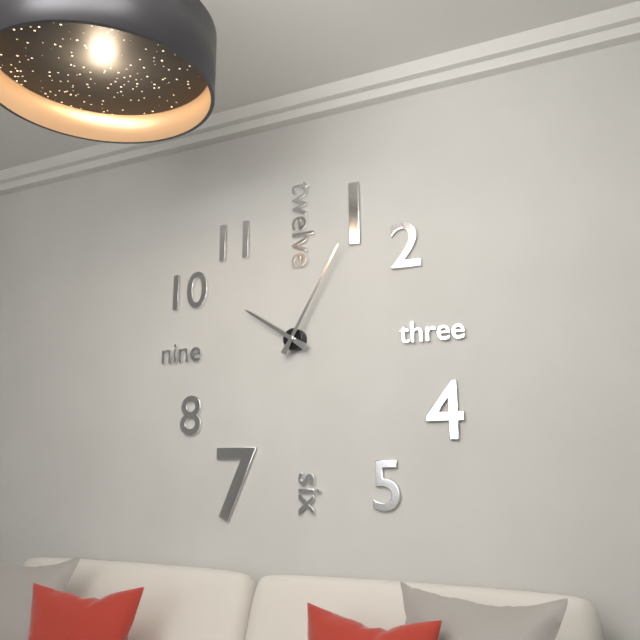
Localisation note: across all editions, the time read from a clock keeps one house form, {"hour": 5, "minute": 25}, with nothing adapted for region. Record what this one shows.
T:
{"hour": 10, "minute": 5}
